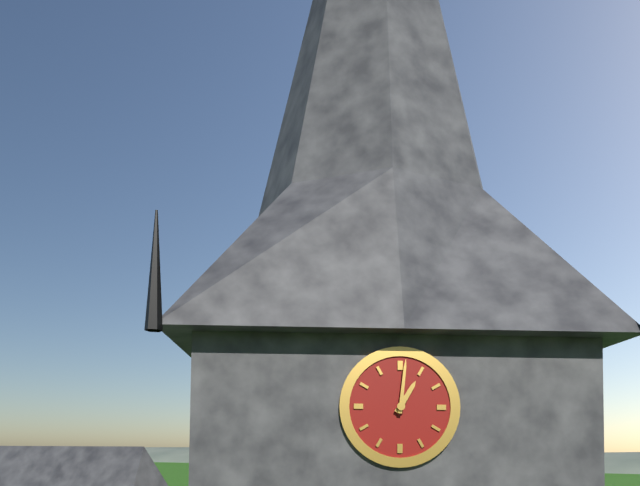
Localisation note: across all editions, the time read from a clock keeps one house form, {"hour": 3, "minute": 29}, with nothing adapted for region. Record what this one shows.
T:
{"hour": 1, "minute": 1}
